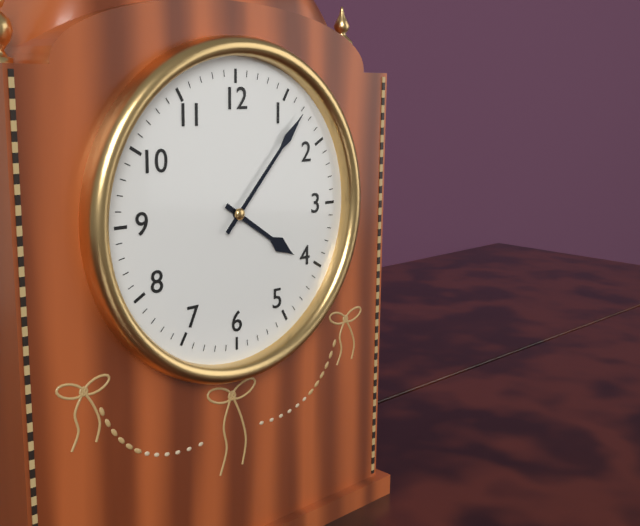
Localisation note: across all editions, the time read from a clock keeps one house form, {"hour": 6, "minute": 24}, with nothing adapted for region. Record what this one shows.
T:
{"hour": 4, "minute": 7}
